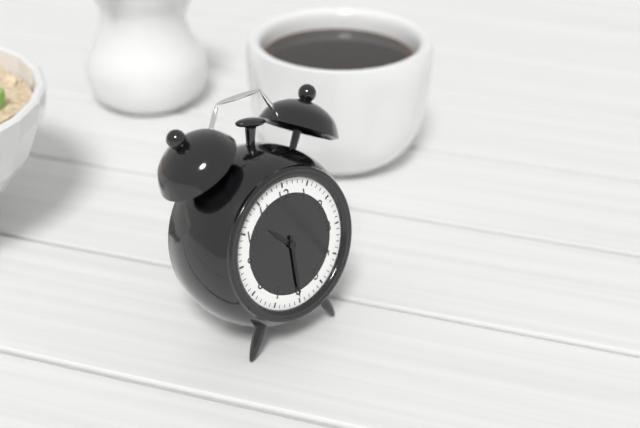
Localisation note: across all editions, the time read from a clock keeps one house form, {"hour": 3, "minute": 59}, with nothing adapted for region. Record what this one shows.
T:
{"hour": 10, "minute": 30}
